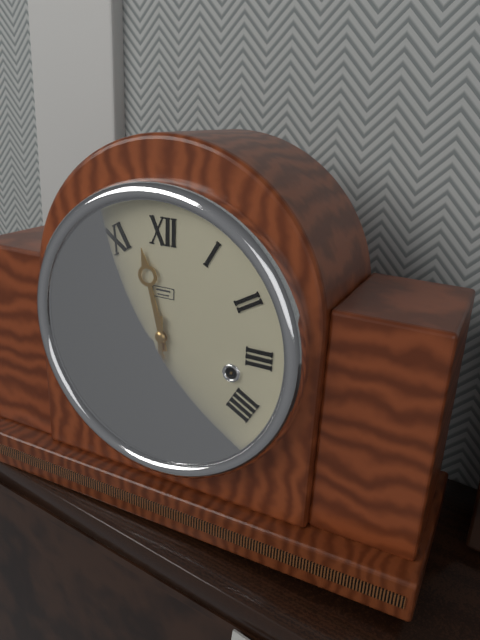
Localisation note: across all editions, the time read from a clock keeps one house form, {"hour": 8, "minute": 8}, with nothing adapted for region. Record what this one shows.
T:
{"hour": 11, "minute": 30}
